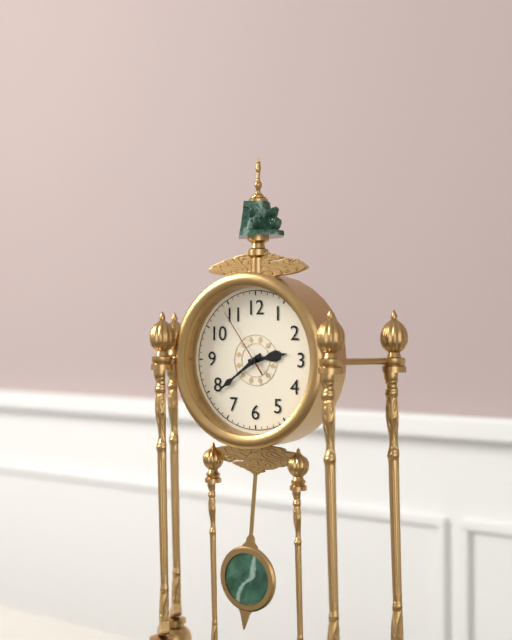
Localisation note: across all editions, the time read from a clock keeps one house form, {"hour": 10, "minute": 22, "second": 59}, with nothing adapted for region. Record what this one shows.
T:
{"hour": 2, "minute": 39, "second": 54}
